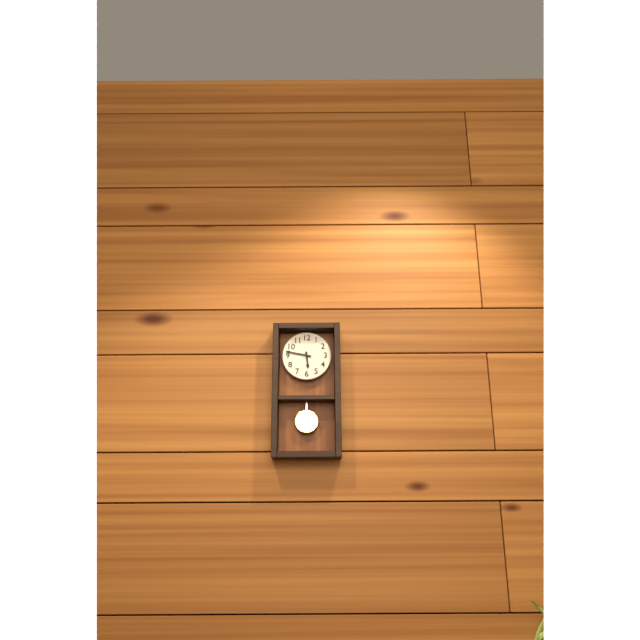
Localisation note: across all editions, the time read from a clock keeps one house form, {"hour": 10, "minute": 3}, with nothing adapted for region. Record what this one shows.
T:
{"hour": 5, "minute": 47}
